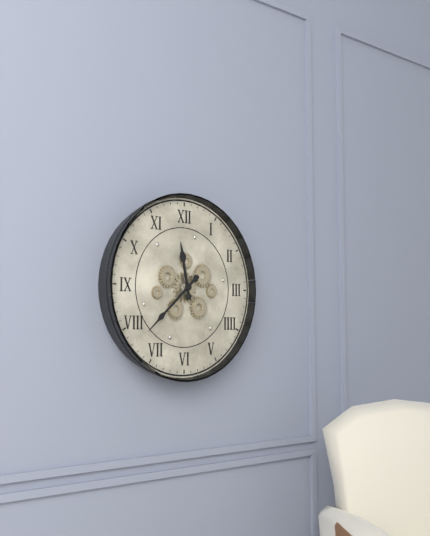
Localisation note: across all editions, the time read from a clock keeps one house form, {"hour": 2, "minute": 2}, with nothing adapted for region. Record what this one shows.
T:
{"hour": 11, "minute": 38}
